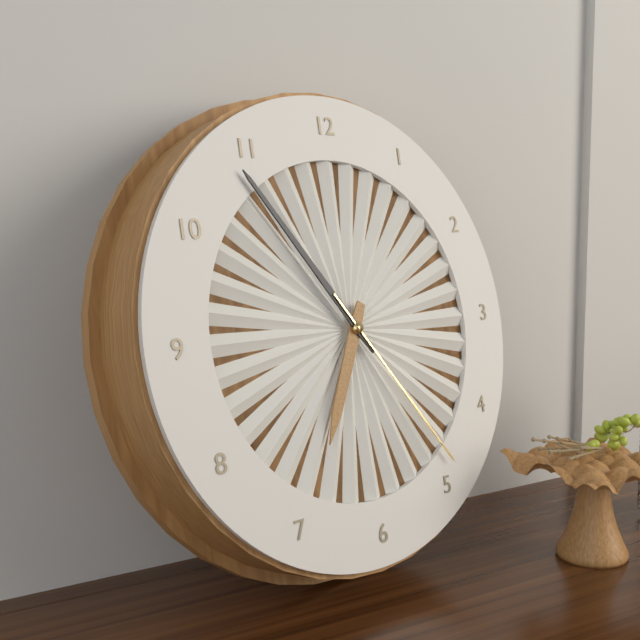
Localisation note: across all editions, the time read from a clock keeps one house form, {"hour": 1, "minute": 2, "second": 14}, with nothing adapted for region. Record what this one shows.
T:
{"hour": 6, "minute": 54, "second": 24}
